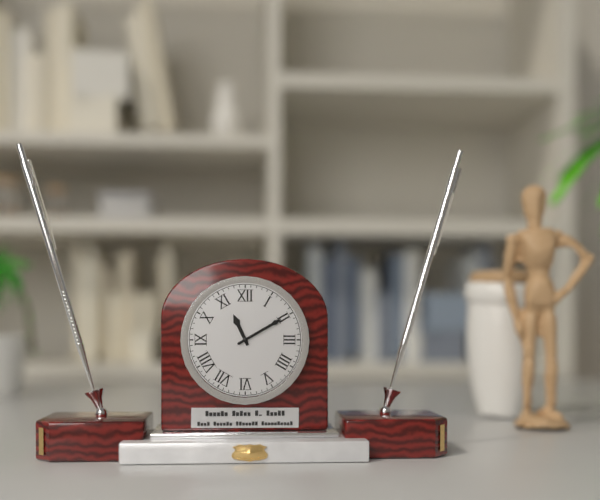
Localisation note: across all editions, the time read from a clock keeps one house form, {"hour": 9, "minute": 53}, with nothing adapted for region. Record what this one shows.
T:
{"hour": 11, "minute": 10}
